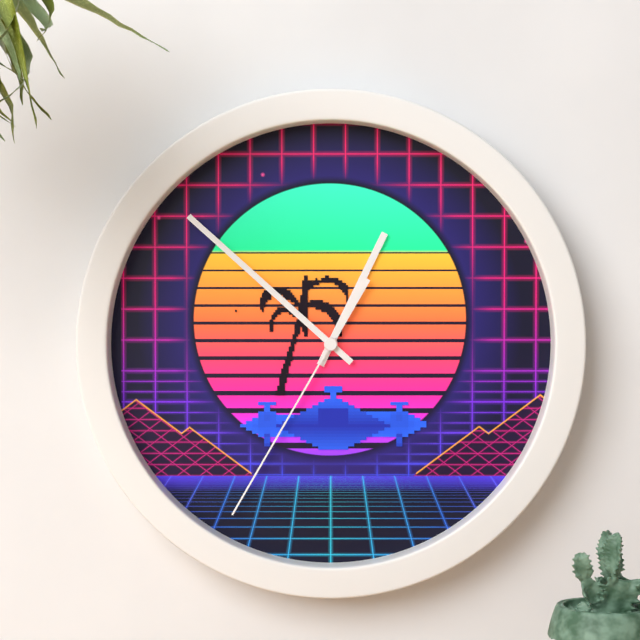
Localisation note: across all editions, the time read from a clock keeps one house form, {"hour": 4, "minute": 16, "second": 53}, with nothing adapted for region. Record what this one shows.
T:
{"hour": 12, "minute": 52, "second": 35}
